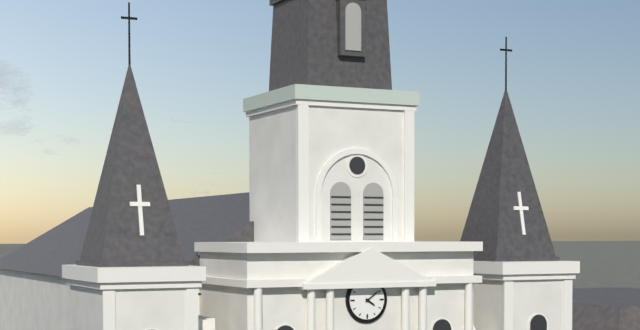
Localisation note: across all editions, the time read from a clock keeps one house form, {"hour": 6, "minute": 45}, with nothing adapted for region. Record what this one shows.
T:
{"hour": 4, "minute": 9}
